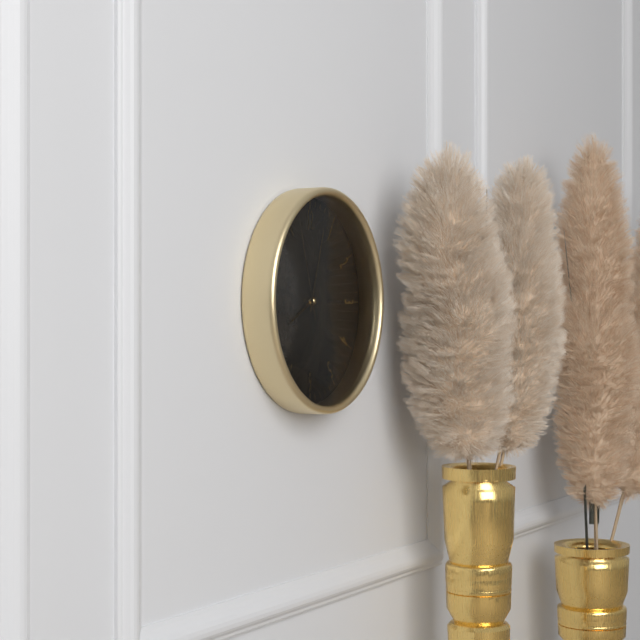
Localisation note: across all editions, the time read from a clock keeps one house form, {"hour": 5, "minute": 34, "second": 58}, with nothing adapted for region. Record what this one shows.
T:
{"hour": 8, "minute": 3, "second": 57}
